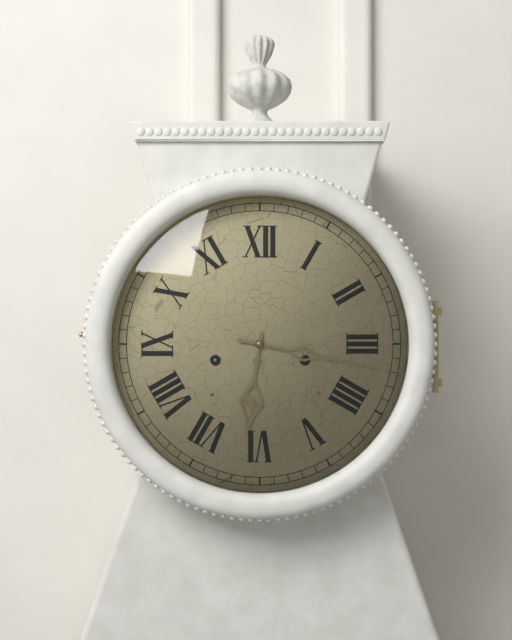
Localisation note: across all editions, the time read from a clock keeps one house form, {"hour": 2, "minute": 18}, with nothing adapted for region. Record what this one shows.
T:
{"hour": 6, "minute": 17}
